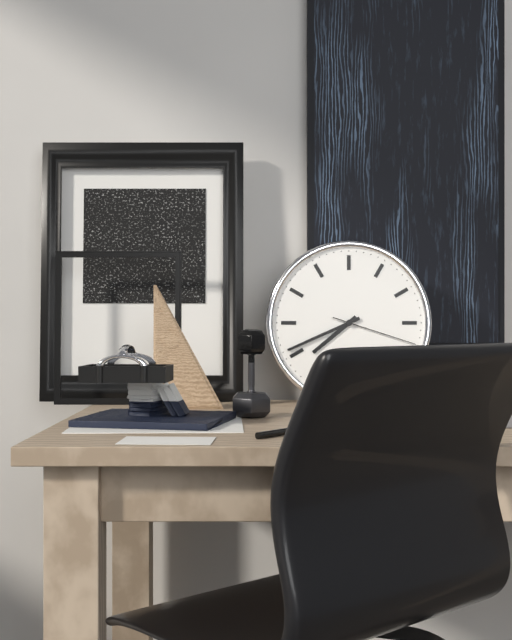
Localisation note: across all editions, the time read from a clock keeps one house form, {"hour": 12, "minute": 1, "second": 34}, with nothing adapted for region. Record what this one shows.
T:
{"hour": 7, "minute": 41, "second": 18}
